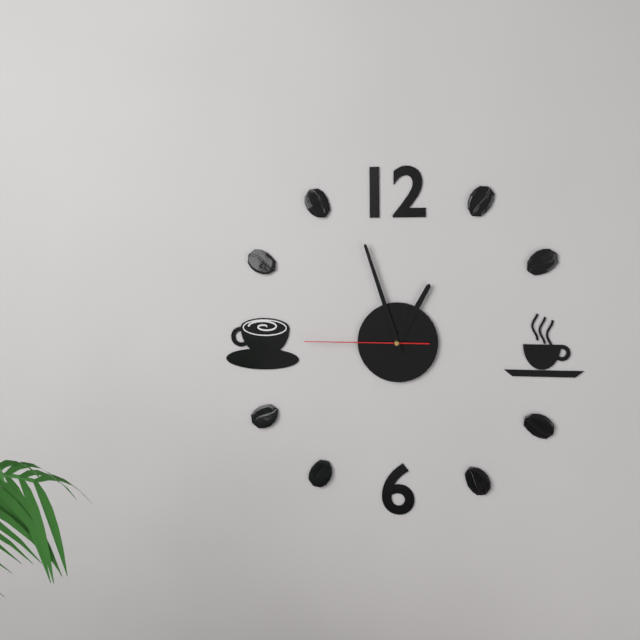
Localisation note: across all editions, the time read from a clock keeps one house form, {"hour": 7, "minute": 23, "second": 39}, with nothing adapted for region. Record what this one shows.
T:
{"hour": 12, "minute": 57, "second": 45}
